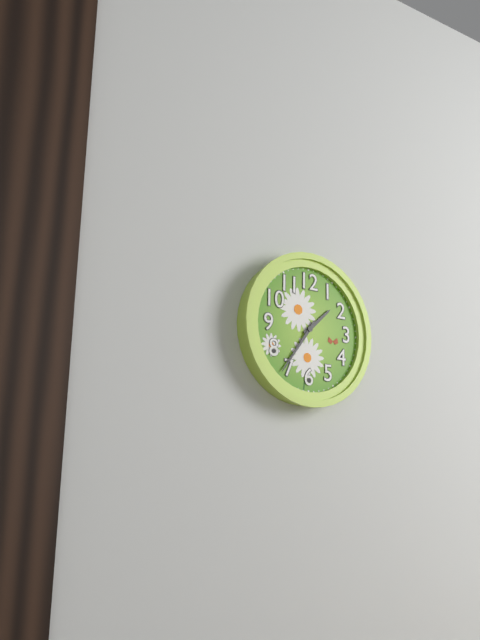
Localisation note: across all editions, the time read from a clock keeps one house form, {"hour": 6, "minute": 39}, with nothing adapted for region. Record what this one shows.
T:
{"hour": 1, "minute": 36}
